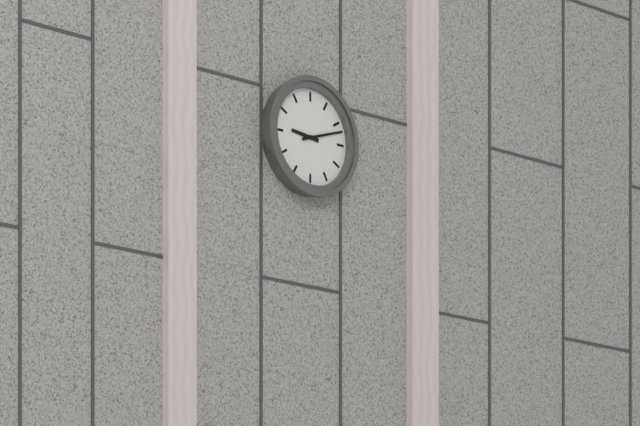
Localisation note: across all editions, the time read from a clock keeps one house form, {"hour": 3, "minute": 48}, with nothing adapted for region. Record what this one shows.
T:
{"hour": 9, "minute": 12}
